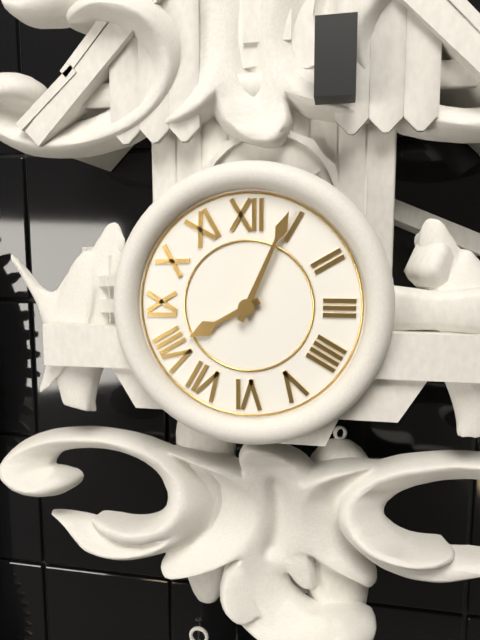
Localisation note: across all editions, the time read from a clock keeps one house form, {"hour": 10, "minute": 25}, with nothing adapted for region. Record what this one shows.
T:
{"hour": 8, "minute": 4}
